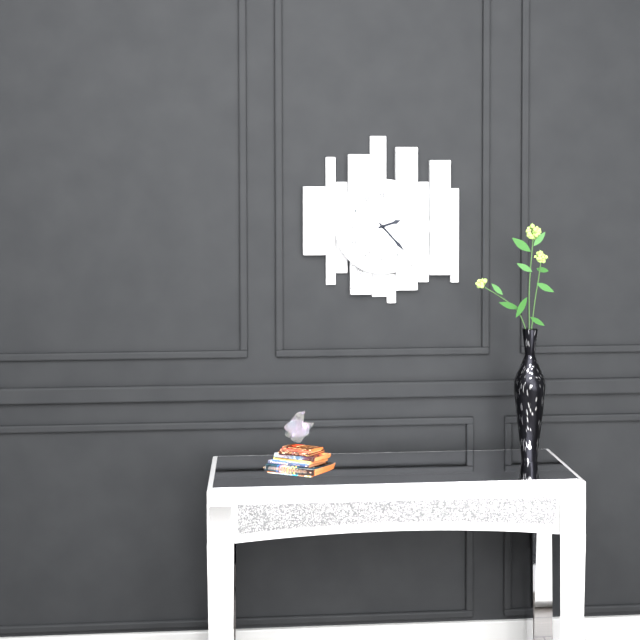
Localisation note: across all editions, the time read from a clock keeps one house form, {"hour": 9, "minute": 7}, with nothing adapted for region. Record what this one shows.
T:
{"hour": 2, "minute": 23}
